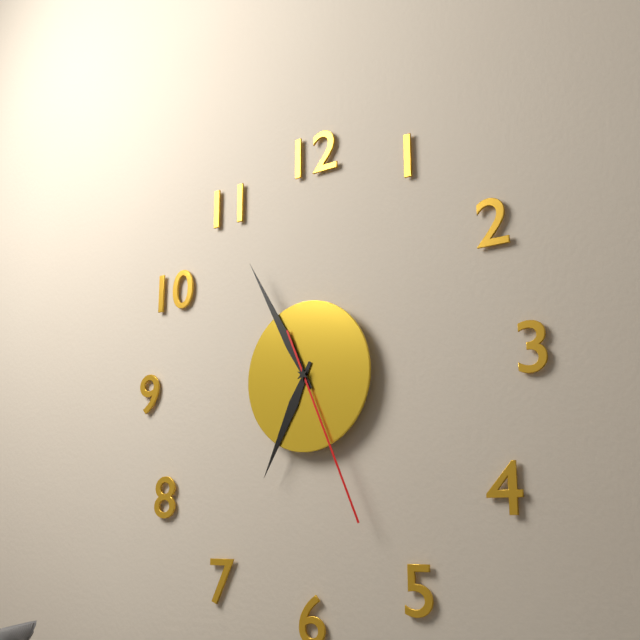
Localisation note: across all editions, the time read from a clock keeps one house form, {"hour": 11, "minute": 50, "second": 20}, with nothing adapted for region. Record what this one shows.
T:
{"hour": 6, "minute": 55, "second": 26}
